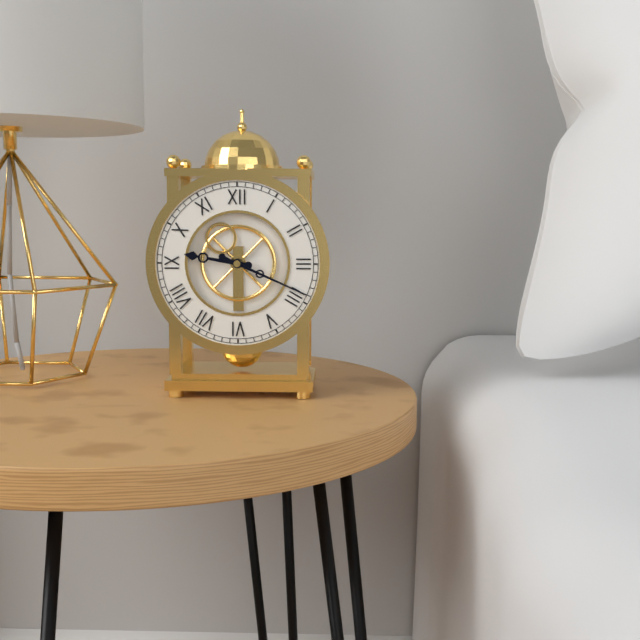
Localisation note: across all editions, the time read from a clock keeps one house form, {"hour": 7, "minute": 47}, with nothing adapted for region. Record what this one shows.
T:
{"hour": 9, "minute": 19}
